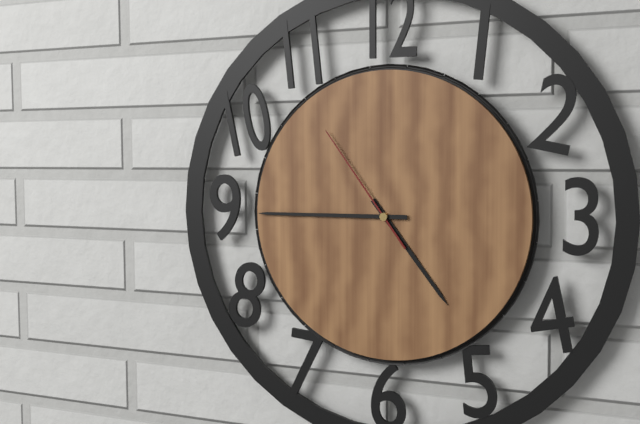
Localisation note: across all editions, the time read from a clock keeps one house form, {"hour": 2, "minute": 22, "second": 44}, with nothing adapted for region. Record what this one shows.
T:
{"hour": 4, "minute": 45, "second": 54}
